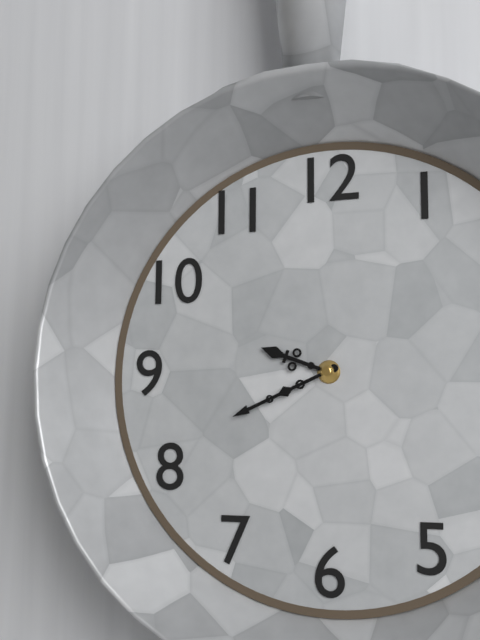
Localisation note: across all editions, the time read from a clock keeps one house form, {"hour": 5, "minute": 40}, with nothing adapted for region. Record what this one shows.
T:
{"hour": 9, "minute": 41}
